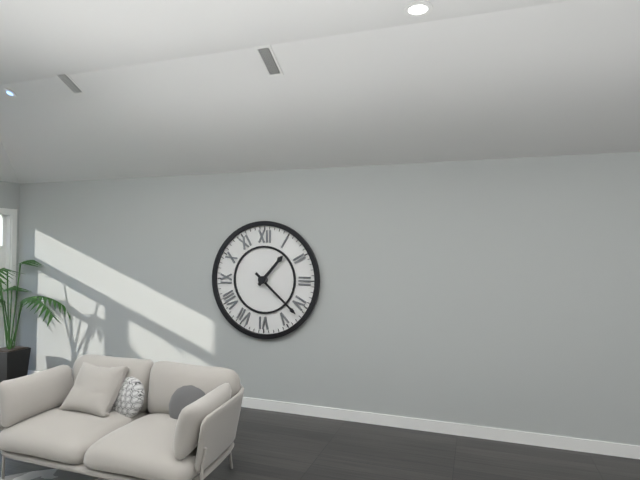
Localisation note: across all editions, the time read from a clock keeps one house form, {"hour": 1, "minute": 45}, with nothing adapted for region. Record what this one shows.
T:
{"hour": 1, "minute": 22}
